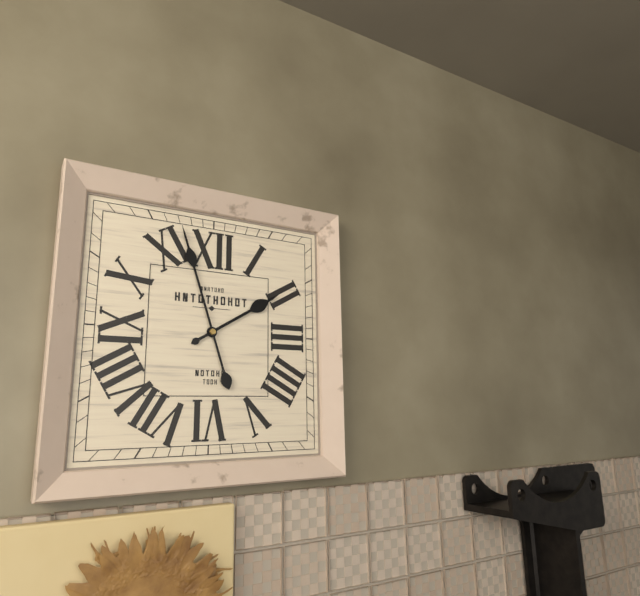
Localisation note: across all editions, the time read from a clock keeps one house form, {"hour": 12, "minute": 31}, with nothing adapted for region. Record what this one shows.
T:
{"hour": 1, "minute": 57}
